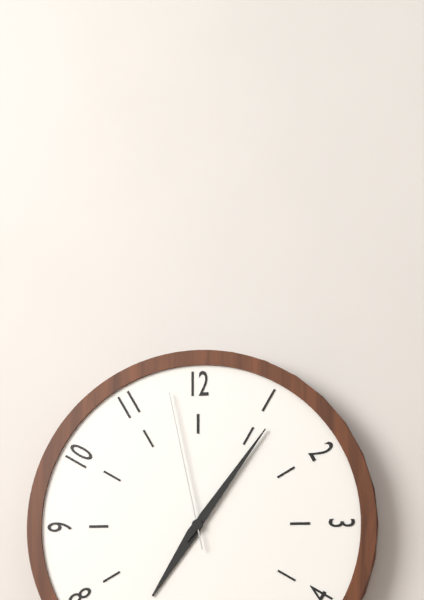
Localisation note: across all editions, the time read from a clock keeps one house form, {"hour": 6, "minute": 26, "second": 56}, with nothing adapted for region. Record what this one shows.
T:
{"hour": 7, "minute": 6, "second": 58}
